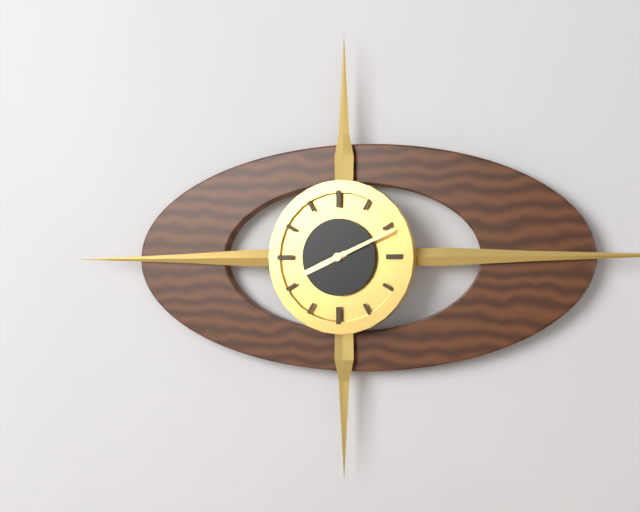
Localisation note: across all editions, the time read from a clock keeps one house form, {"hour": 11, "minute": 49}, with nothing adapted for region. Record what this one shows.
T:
{"hour": 8, "minute": 11}
